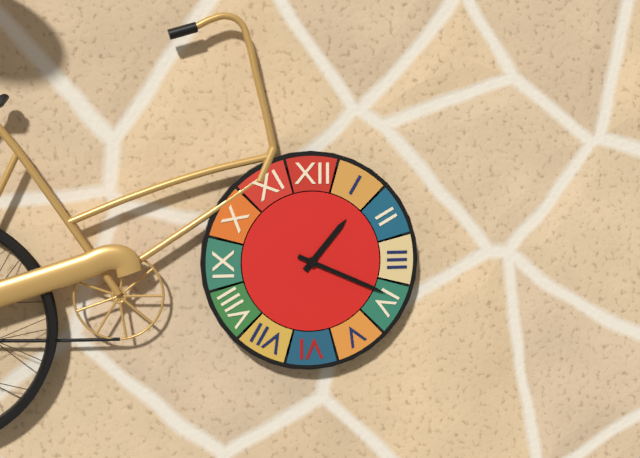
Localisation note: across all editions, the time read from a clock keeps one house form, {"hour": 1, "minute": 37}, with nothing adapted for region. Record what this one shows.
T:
{"hour": 1, "minute": 19}
